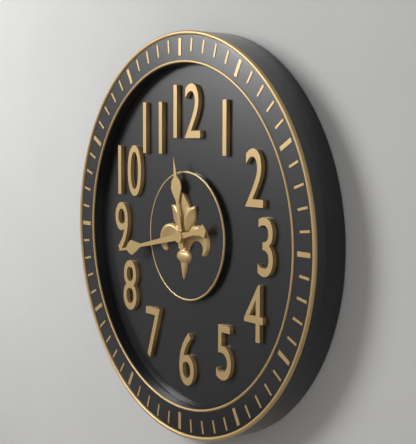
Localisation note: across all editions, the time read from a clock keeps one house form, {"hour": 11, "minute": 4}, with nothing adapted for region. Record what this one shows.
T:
{"hour": 11, "minute": 43}
